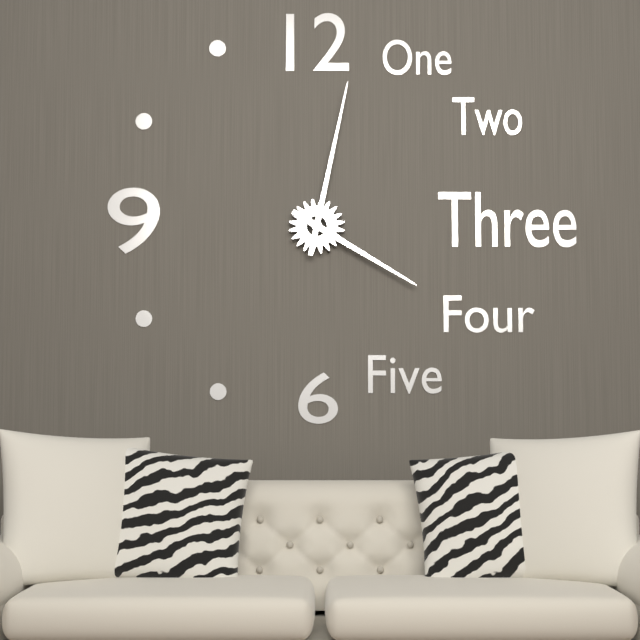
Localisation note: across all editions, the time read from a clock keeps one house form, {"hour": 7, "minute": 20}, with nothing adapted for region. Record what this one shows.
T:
{"hour": 4, "minute": 2}
